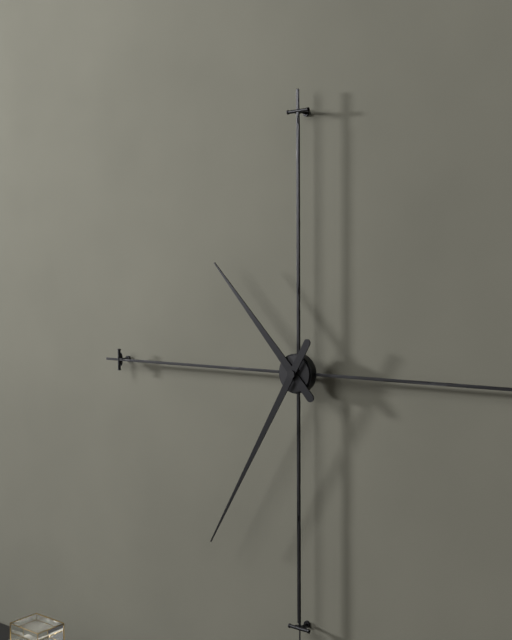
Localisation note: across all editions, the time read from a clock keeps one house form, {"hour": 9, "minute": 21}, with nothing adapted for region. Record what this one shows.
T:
{"hour": 10, "minute": 35}
